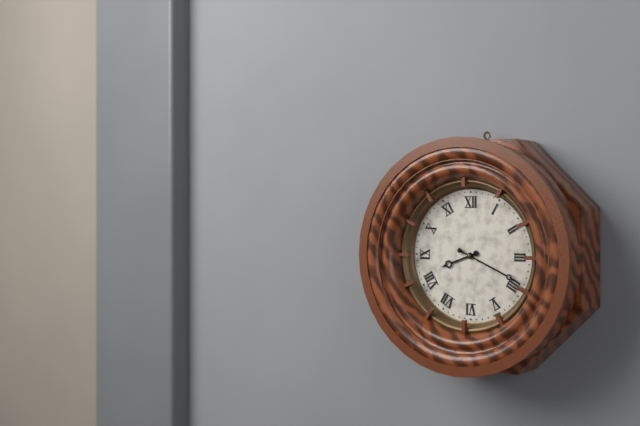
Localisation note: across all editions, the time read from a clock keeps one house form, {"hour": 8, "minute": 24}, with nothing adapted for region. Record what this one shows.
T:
{"hour": 8, "minute": 19}
